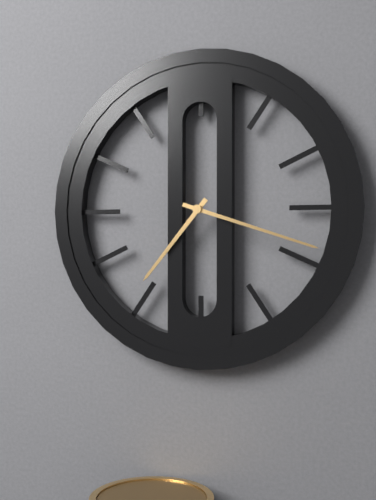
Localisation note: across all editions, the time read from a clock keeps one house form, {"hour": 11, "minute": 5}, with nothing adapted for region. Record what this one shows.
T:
{"hour": 7, "minute": 18}
